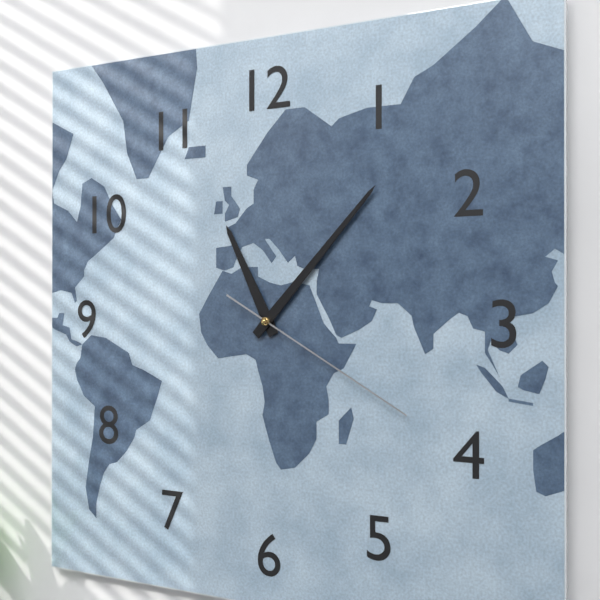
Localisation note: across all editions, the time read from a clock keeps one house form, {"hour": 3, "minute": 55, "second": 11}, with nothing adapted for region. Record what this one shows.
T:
{"hour": 11, "minute": 7, "second": 20}
